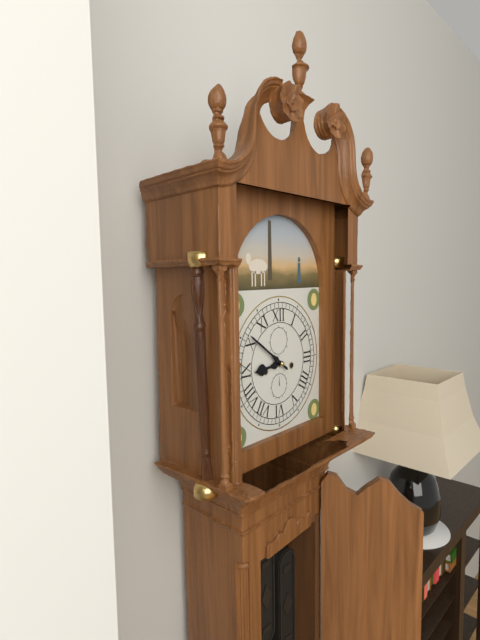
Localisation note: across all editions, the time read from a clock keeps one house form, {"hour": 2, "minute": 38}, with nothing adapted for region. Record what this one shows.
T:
{"hour": 8, "minute": 51}
